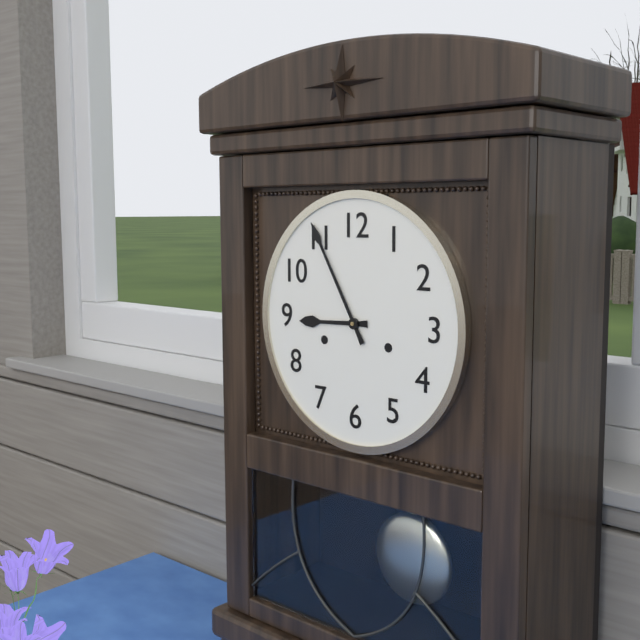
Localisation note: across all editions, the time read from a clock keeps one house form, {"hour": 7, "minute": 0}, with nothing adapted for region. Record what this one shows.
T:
{"hour": 8, "minute": 55}
